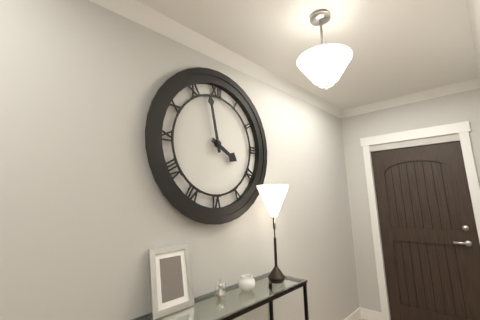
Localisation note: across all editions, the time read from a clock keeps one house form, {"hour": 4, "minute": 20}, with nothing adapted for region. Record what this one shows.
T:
{"hour": 3, "minute": 58}
